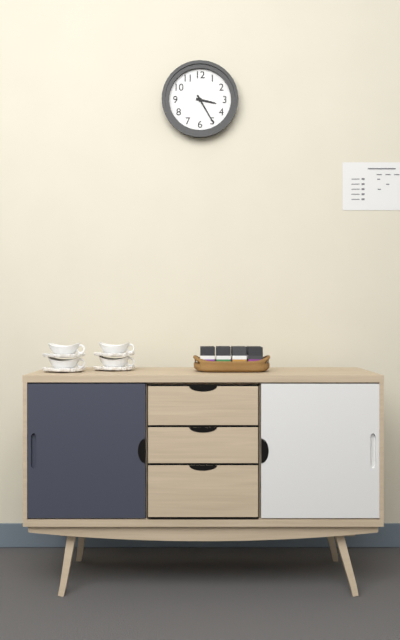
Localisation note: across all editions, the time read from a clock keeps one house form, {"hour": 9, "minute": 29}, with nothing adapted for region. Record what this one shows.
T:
{"hour": 3, "minute": 25}
